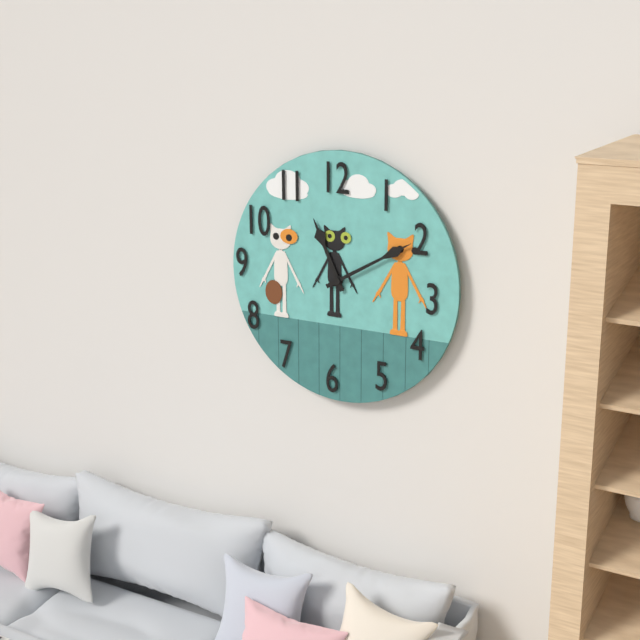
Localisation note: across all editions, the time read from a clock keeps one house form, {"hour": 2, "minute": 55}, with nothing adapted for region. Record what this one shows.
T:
{"hour": 11, "minute": 10}
